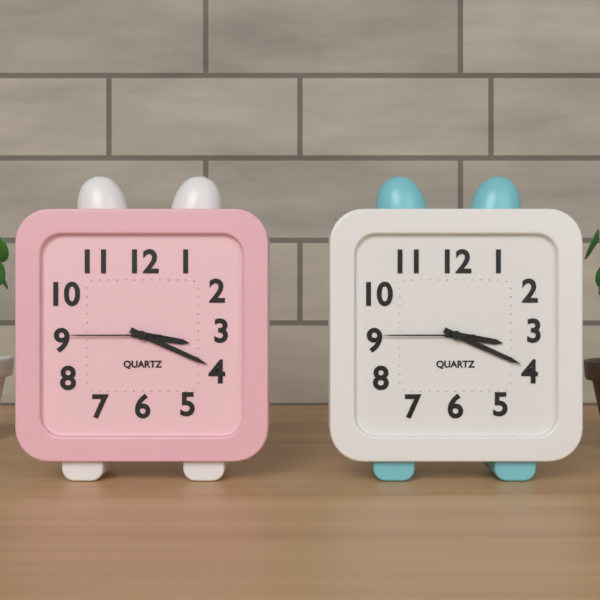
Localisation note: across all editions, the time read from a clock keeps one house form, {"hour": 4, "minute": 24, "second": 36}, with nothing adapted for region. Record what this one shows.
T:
{"hour": 3, "minute": 19, "second": 45}
